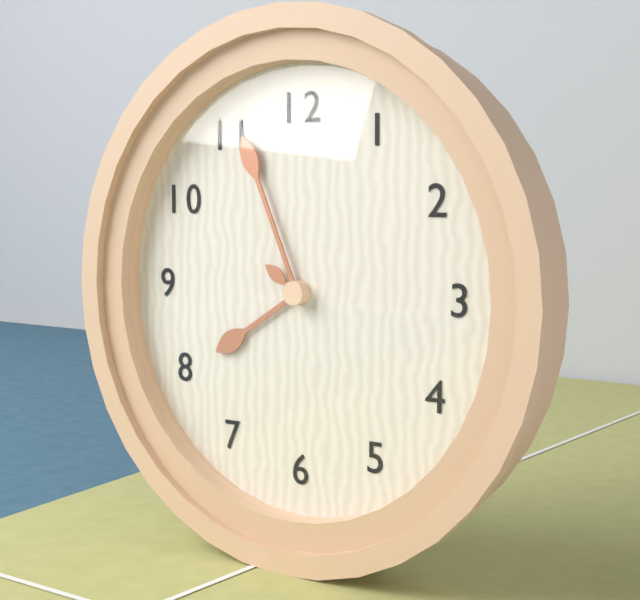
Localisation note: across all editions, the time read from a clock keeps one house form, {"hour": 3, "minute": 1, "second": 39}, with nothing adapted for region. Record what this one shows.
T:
{"hour": 7, "minute": 56, "second": 51}
